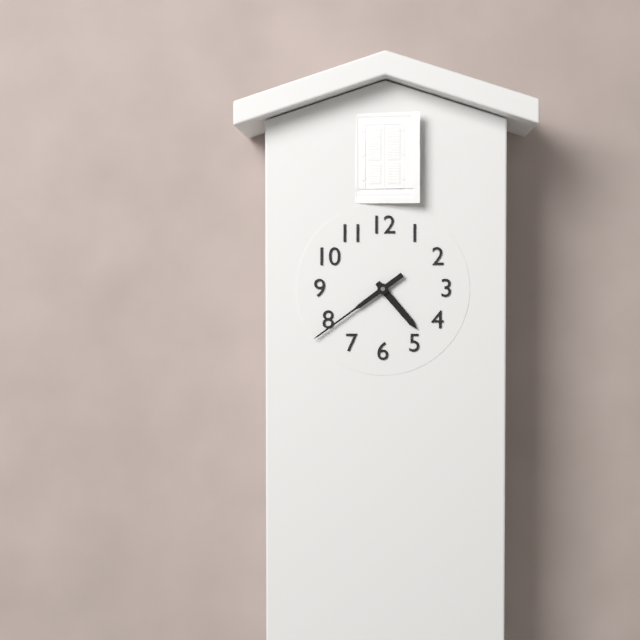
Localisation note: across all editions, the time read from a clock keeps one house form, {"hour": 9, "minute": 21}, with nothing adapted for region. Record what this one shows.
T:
{"hour": 4, "minute": 39}
